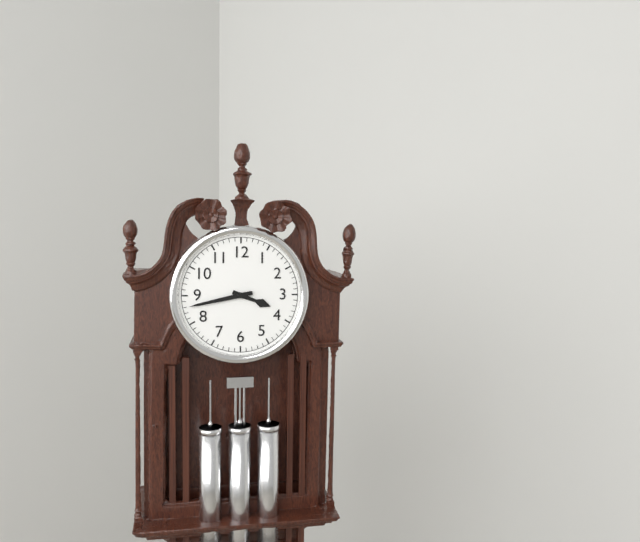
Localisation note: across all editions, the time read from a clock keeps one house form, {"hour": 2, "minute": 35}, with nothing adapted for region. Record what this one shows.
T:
{"hour": 3, "minute": 43}
